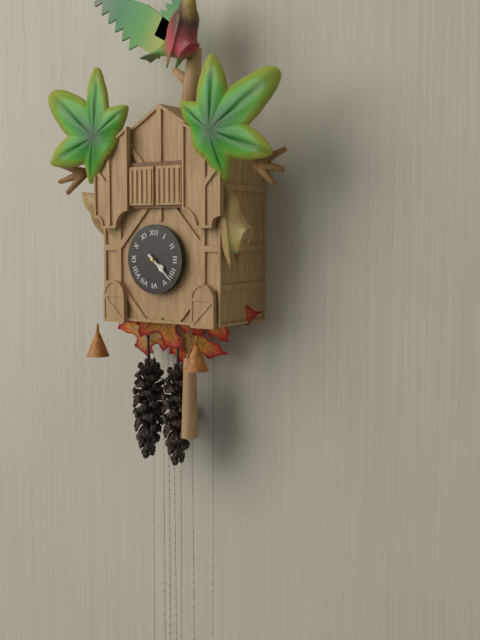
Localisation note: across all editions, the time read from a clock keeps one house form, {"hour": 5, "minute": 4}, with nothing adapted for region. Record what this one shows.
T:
{"hour": 4, "minute": 22}
